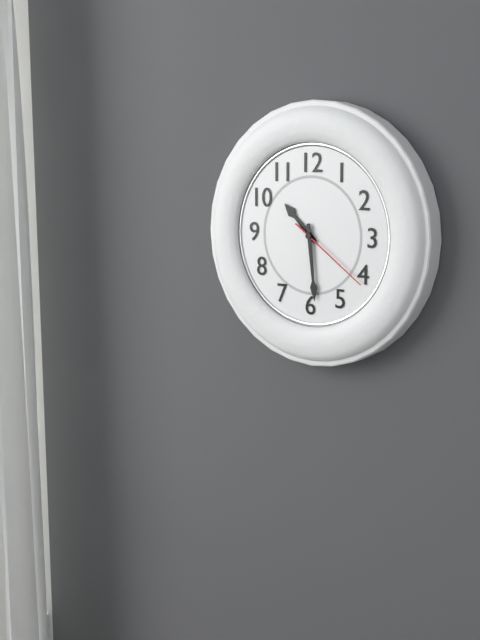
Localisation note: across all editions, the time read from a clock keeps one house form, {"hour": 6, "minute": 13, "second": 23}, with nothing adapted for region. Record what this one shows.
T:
{"hour": 10, "minute": 29, "second": 21}
